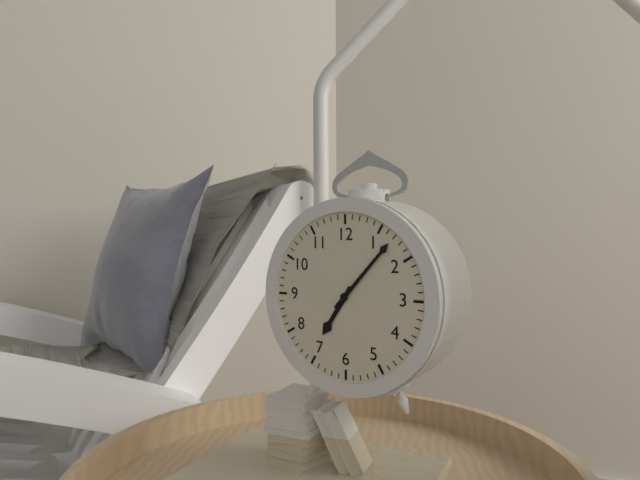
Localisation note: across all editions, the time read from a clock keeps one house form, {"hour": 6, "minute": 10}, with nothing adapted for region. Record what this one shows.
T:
{"hour": 7, "minute": 7}
